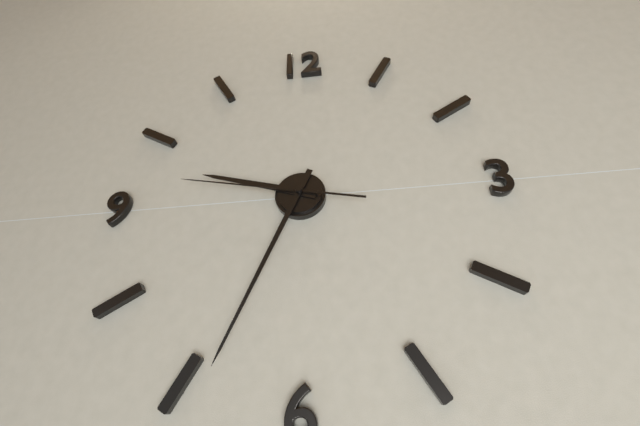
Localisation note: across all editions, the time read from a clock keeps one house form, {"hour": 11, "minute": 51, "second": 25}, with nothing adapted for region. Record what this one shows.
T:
{"hour": 9, "minute": 34, "second": 47}
